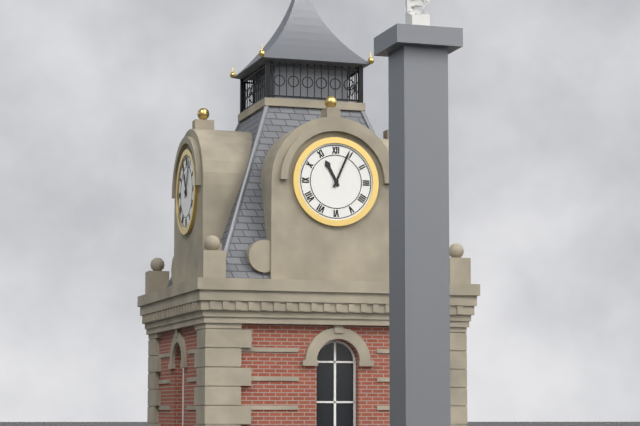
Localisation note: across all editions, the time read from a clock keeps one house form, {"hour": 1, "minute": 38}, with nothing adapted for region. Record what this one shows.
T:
{"hour": 11, "minute": 4}
